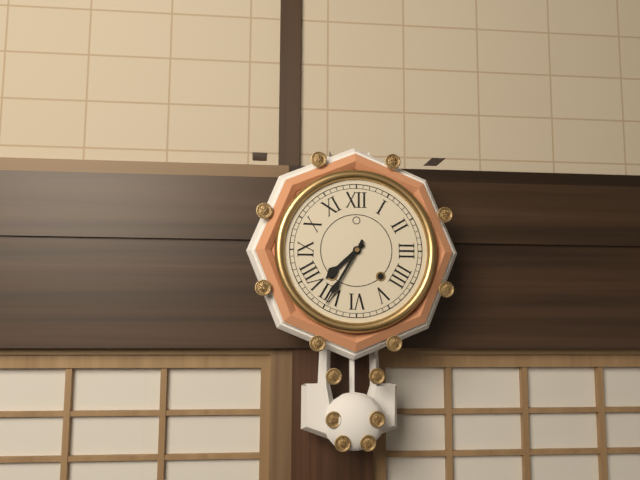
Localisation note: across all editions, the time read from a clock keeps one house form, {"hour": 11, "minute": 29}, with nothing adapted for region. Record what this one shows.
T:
{"hour": 7, "minute": 35}
